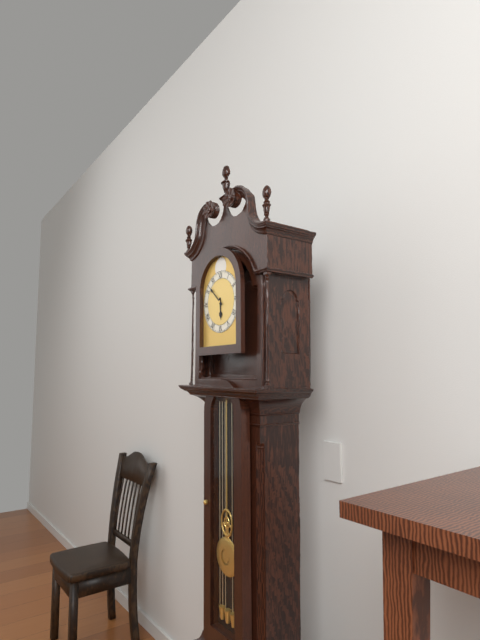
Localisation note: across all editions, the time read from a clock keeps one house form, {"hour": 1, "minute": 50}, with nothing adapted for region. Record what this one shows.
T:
{"hour": 5, "minute": 52}
